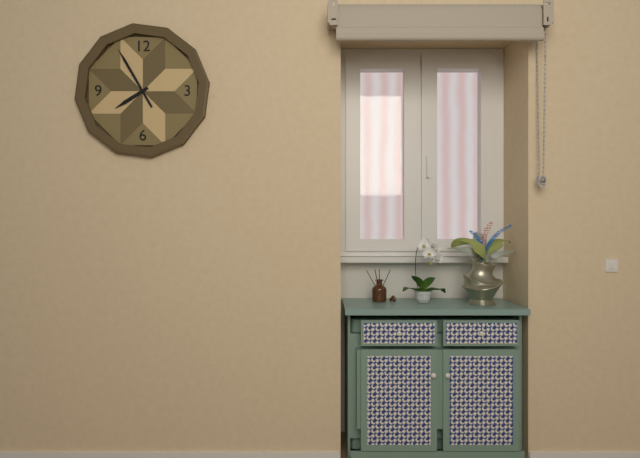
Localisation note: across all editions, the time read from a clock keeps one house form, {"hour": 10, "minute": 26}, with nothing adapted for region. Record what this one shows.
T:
{"hour": 7, "minute": 55}
